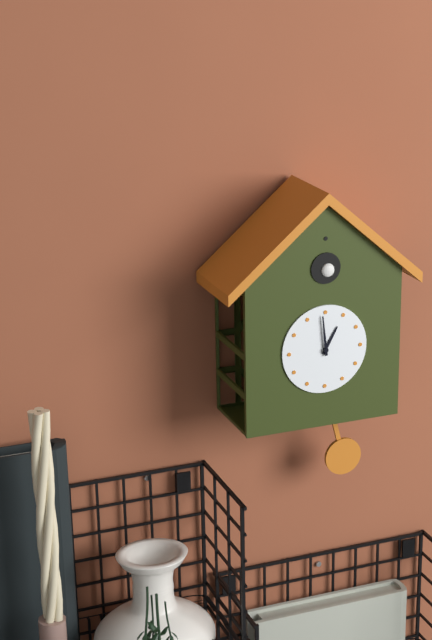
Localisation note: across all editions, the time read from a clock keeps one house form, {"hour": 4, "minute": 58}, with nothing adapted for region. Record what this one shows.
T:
{"hour": 12, "minute": 59}
